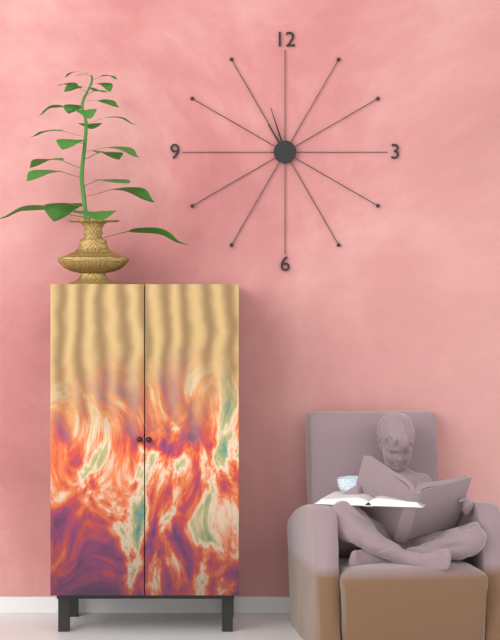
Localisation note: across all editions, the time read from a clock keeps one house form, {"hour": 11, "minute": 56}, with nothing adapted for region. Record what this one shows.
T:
{"hour": 10, "minute": 57}
